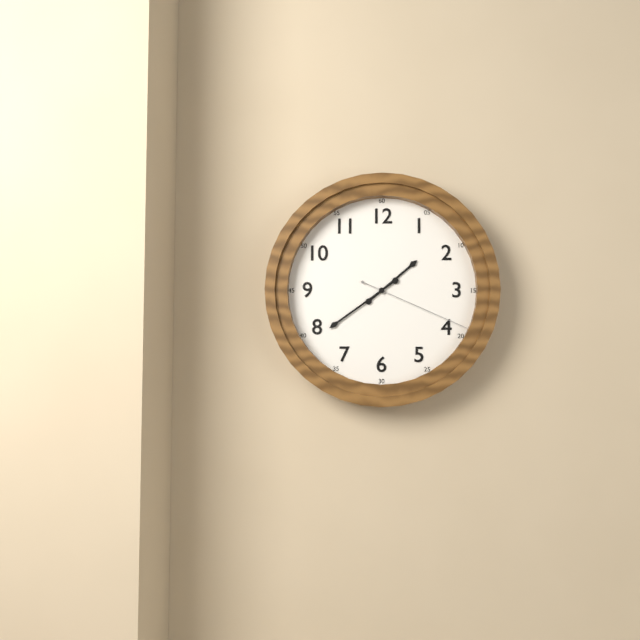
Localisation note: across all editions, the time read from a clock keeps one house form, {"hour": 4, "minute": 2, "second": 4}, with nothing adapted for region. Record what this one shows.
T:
{"hour": 1, "minute": 39, "second": 19}
